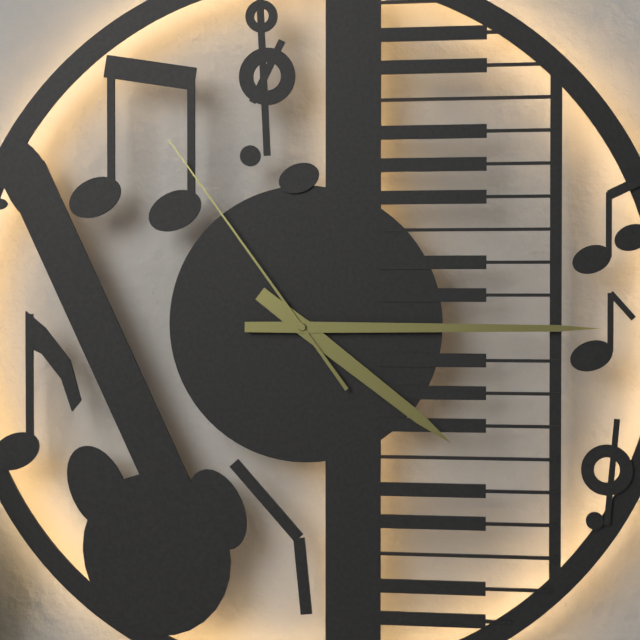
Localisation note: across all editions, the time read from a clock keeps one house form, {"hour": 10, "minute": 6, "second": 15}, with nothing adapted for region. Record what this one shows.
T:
{"hour": 4, "minute": 15, "second": 54}
